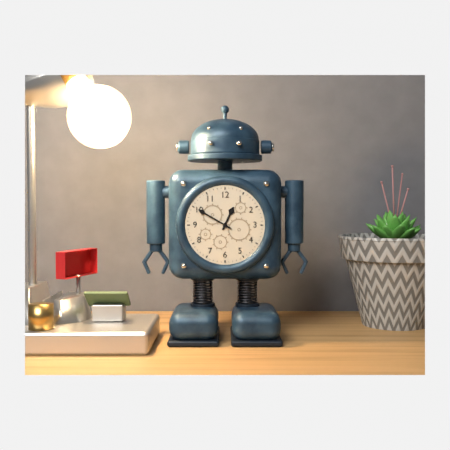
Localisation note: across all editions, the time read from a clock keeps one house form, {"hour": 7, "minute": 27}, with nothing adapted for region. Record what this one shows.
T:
{"hour": 12, "minute": 50}
